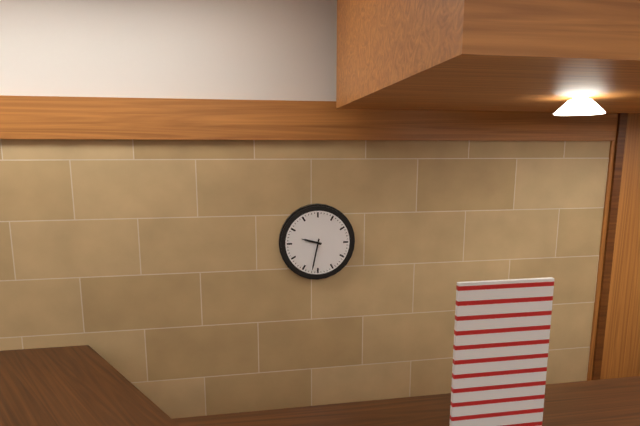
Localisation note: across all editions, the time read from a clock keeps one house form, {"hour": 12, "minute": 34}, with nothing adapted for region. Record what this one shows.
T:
{"hour": 9, "minute": 32}
